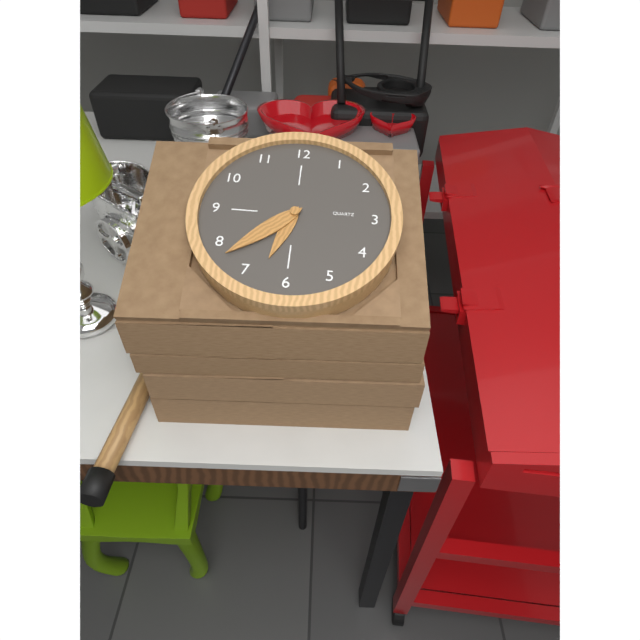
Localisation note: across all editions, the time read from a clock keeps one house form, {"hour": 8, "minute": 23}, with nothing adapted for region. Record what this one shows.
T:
{"hour": 6, "minute": 38}
